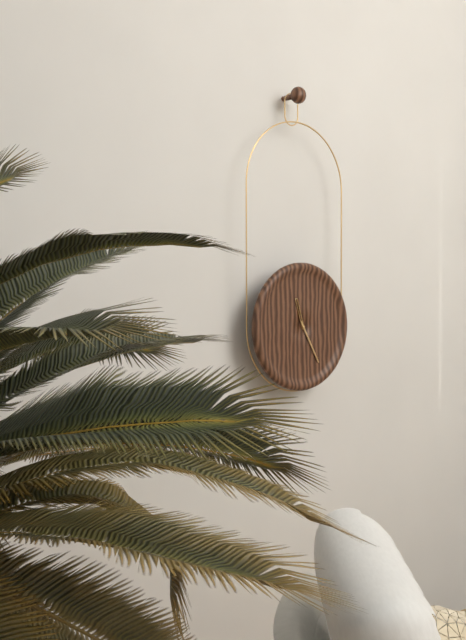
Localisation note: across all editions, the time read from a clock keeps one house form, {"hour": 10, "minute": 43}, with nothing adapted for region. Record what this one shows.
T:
{"hour": 11, "minute": 25}
